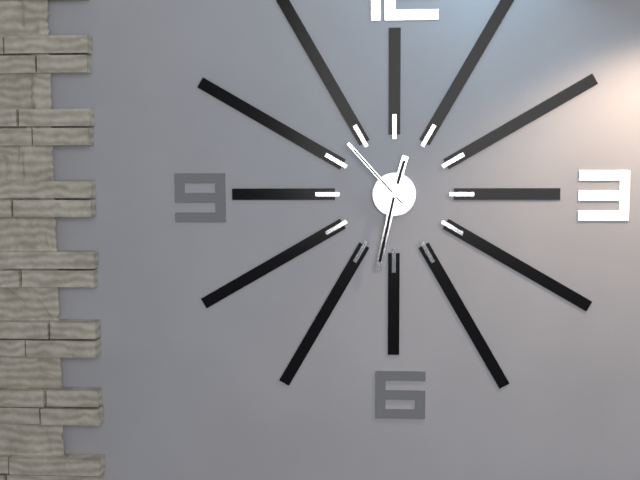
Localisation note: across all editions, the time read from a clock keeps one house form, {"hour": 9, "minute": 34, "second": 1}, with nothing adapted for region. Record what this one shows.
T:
{"hour": 12, "minute": 32, "second": 53}
